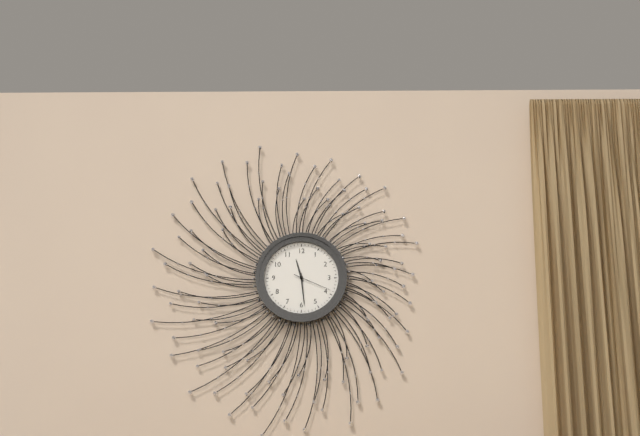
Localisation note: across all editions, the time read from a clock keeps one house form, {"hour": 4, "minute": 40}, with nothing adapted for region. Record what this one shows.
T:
{"hour": 11, "minute": 29}
